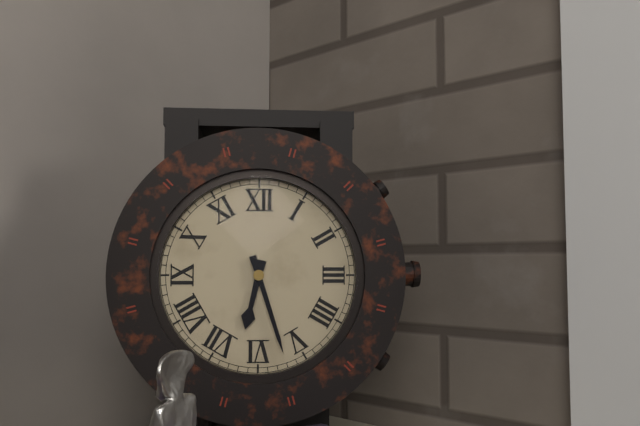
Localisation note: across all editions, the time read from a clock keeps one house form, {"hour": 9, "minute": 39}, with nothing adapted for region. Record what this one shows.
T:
{"hour": 6, "minute": 27}
